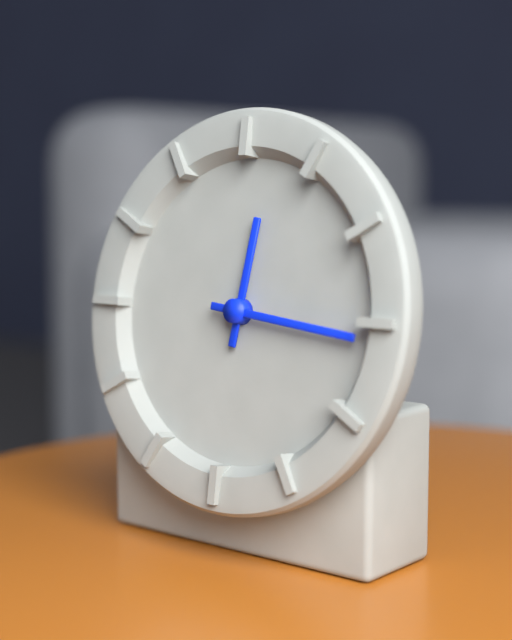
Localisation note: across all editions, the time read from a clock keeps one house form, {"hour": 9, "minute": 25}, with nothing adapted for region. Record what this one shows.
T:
{"hour": 12, "minute": 16}
